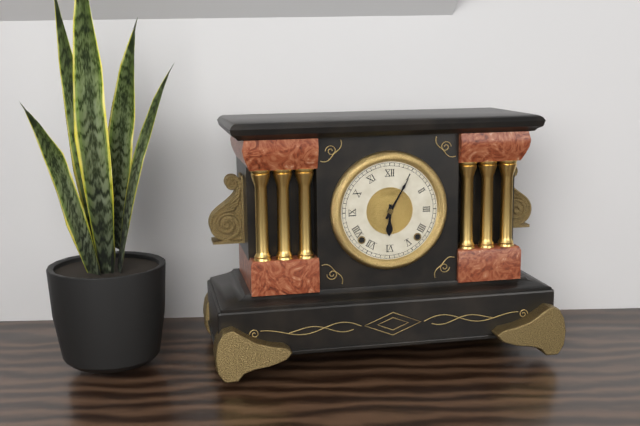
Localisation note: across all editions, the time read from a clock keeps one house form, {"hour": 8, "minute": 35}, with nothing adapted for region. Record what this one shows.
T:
{"hour": 6, "minute": 5}
